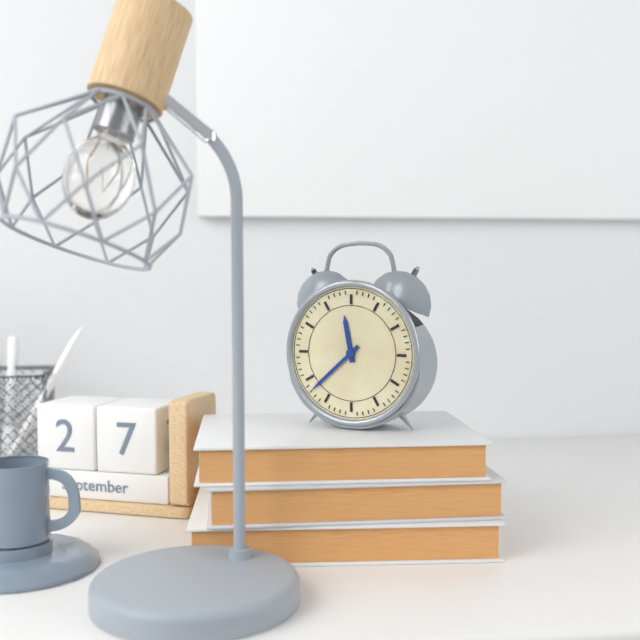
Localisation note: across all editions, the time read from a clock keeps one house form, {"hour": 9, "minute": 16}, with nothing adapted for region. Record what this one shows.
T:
{"hour": 11, "minute": 38}
